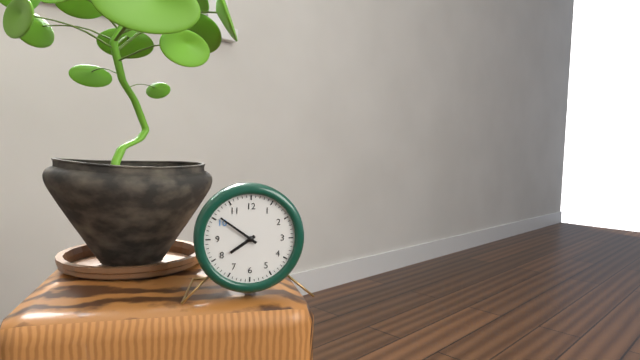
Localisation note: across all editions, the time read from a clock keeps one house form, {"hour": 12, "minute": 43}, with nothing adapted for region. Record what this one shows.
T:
{"hour": 7, "minute": 51}
